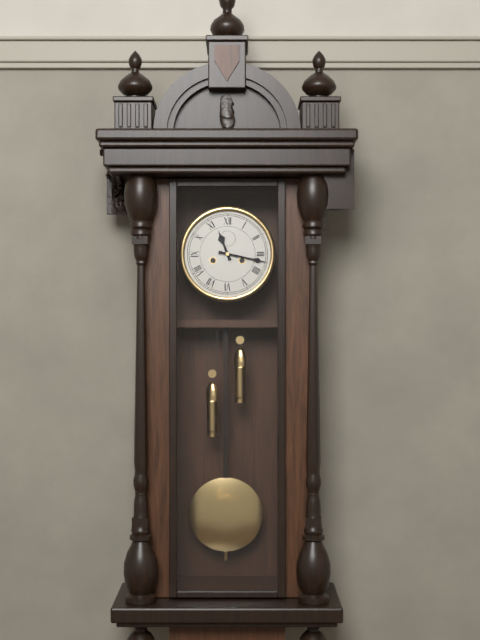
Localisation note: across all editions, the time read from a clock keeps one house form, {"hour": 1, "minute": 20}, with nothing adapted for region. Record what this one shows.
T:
{"hour": 11, "minute": 17}
